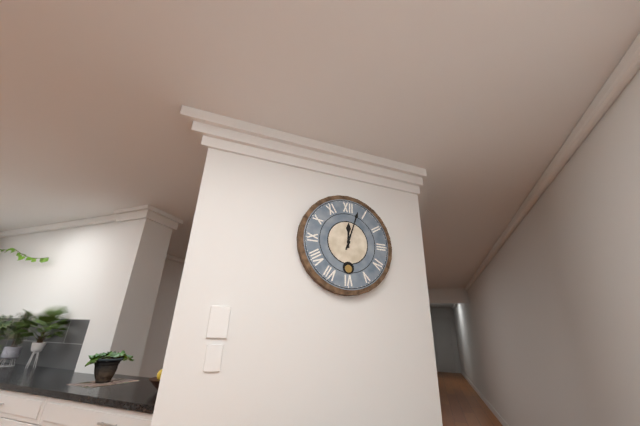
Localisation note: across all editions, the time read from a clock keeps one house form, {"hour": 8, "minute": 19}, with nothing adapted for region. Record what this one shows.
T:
{"hour": 12, "minute": 3}
